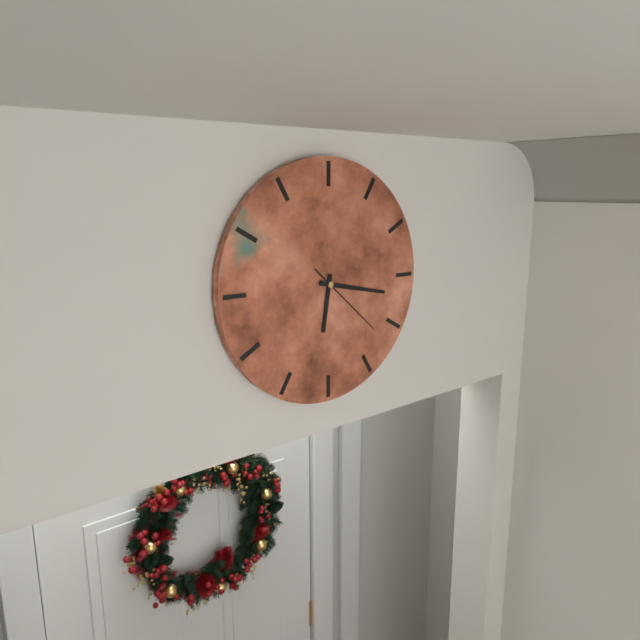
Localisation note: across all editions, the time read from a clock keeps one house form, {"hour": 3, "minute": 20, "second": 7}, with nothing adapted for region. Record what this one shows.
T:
{"hour": 6, "minute": 17, "second": 22}
